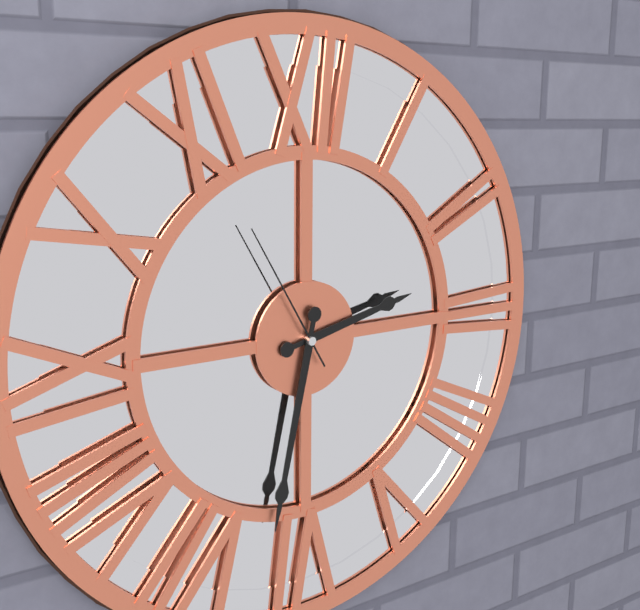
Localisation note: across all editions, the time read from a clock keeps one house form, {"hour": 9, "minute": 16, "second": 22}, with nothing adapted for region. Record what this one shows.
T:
{"hour": 2, "minute": 32, "second": 55}
